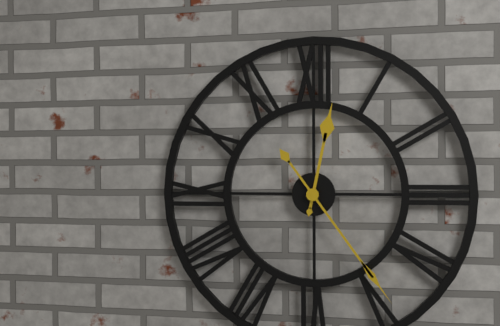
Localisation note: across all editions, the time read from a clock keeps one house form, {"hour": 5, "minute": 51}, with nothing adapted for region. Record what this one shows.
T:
{"hour": 12, "minute": 24}
